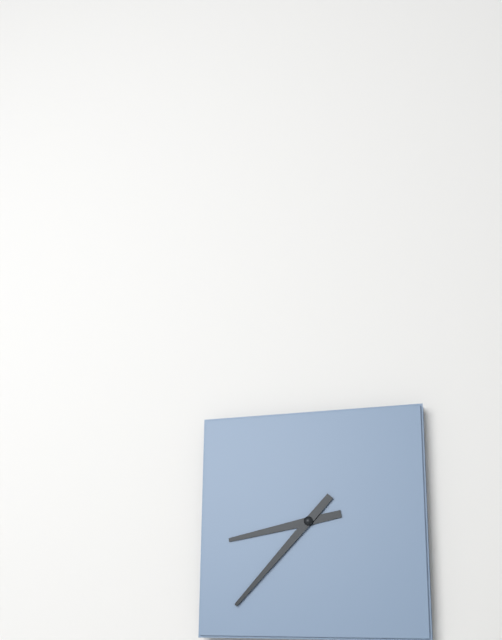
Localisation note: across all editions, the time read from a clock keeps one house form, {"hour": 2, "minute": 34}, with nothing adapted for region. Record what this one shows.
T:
{"hour": 8, "minute": 37}
